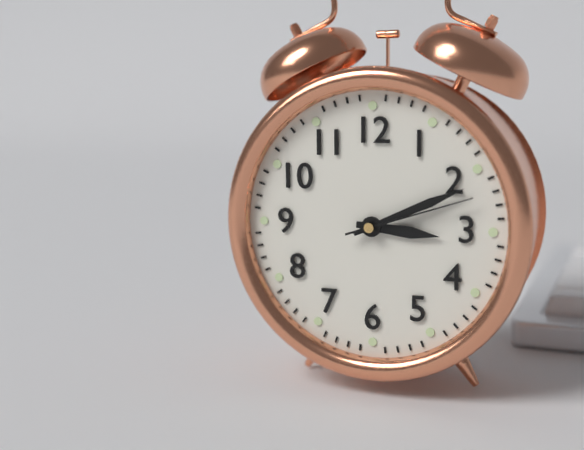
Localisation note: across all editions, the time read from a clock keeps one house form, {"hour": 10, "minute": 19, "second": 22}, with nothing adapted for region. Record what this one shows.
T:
{"hour": 3, "minute": 11, "second": 12}
